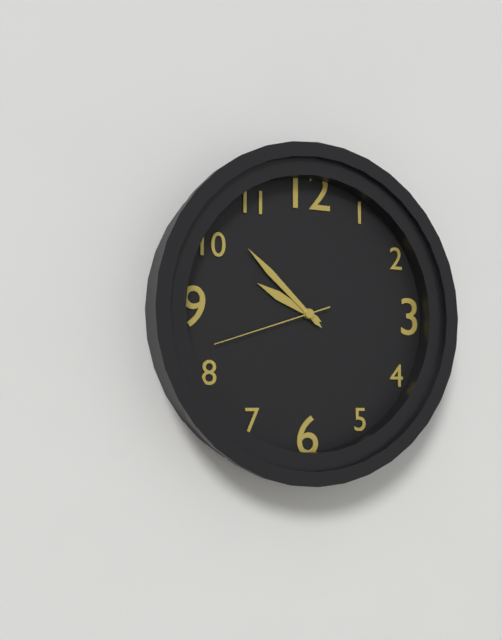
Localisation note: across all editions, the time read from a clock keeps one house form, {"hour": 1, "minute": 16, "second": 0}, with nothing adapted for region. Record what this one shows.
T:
{"hour": 9, "minute": 52, "second": 42}
